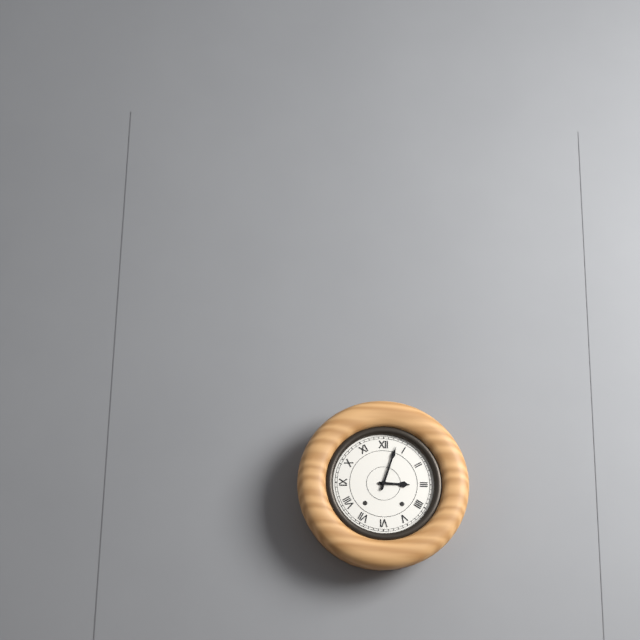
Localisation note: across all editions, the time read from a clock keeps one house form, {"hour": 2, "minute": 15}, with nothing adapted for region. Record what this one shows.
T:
{"hour": 3, "minute": 3}
